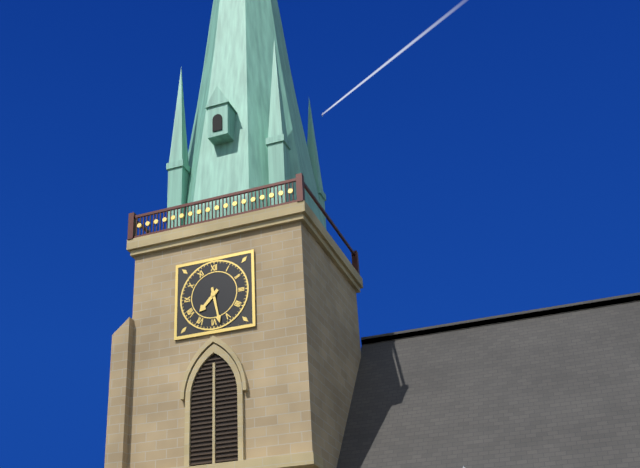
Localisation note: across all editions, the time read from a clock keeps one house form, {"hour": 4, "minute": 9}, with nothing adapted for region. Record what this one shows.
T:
{"hour": 7, "minute": 28}
